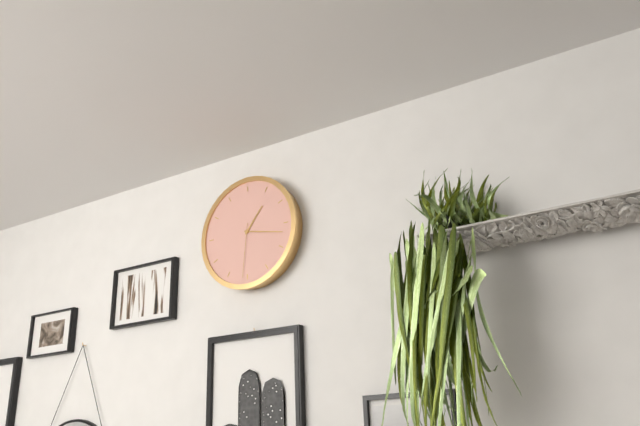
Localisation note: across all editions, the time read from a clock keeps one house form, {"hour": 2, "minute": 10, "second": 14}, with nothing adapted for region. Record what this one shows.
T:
{"hour": 1, "minute": 17, "second": 31}
